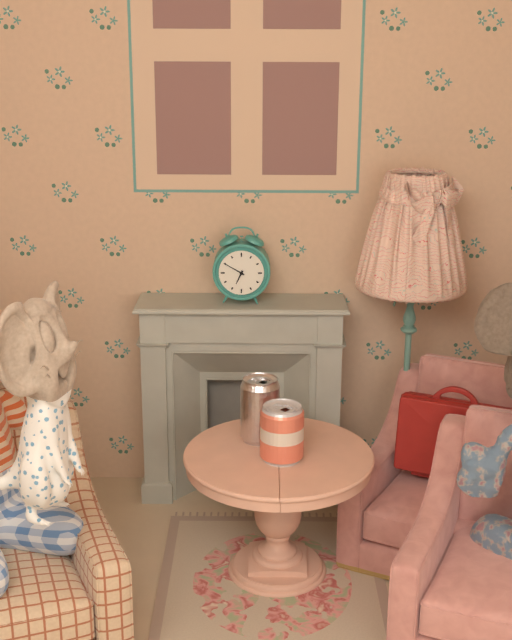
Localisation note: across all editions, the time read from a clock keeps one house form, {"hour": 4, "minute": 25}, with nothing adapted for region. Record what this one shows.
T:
{"hour": 6, "minute": 50}
